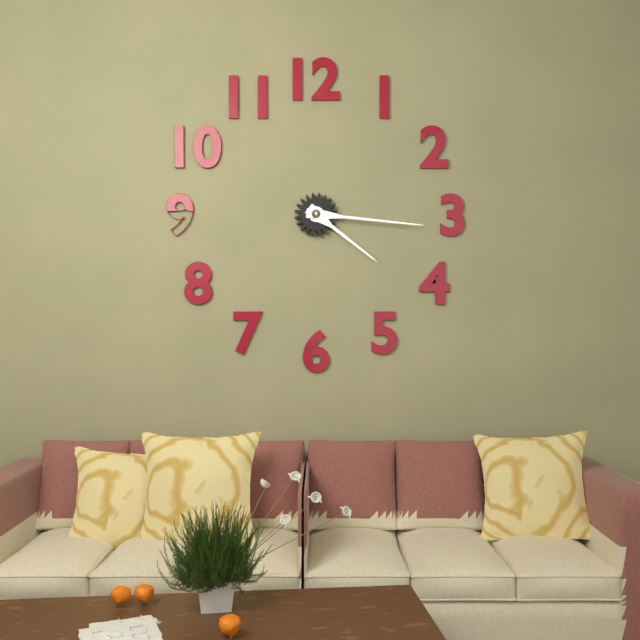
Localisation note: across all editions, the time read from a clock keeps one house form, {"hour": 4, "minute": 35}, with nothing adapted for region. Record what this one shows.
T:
{"hour": 4, "minute": 16}
